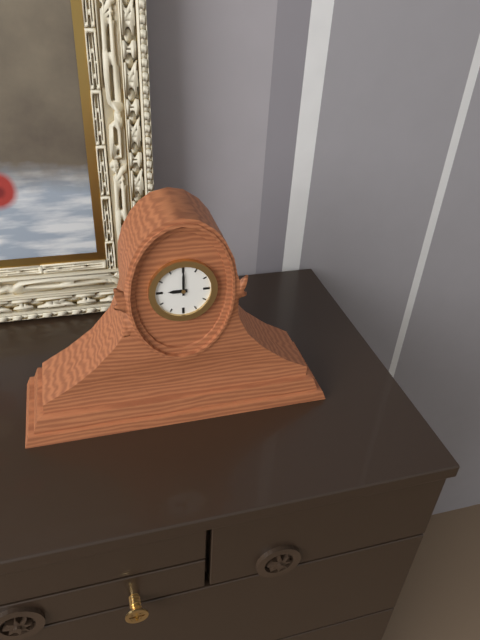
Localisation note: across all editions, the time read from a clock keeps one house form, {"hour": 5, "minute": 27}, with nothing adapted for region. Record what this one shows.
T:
{"hour": 9, "minute": 0}
